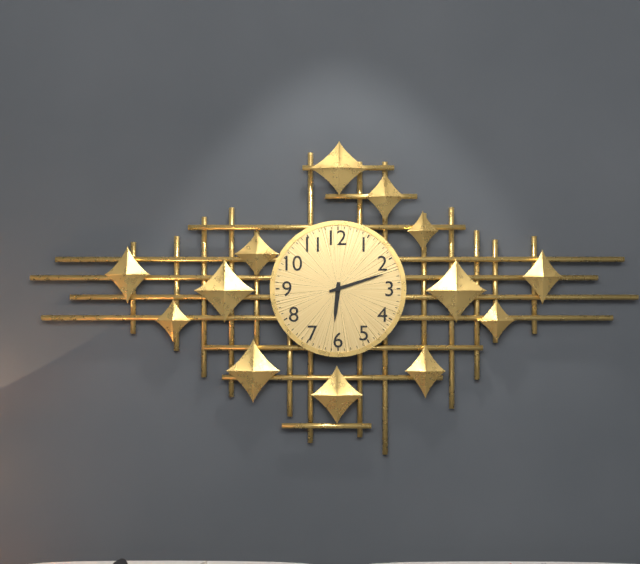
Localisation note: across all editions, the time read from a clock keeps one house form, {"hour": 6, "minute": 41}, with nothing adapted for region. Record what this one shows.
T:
{"hour": 6, "minute": 12}
